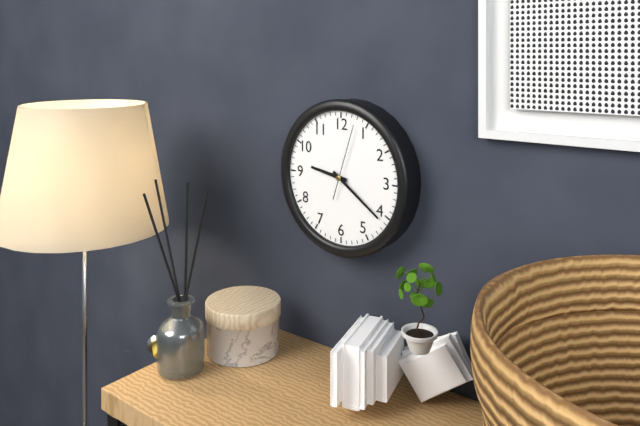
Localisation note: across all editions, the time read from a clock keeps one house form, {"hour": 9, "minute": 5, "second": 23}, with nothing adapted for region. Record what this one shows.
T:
{"hour": 9, "minute": 21, "second": 3}
